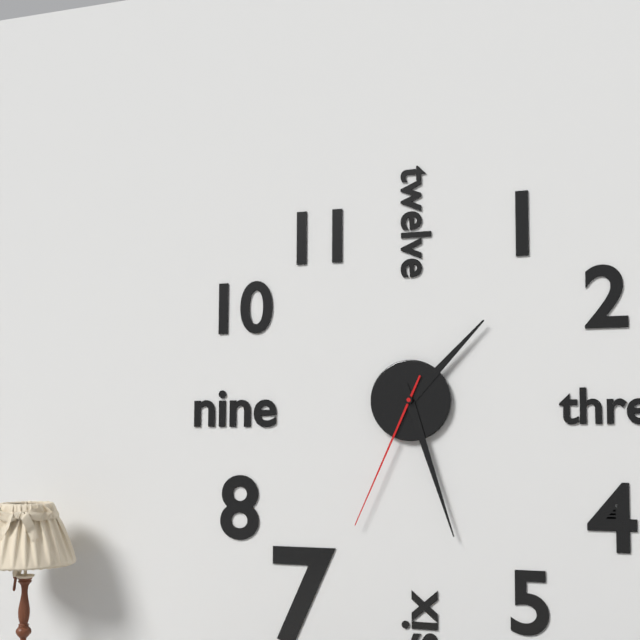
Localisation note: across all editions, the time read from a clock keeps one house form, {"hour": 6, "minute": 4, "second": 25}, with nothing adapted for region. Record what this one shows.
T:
{"hour": 1, "minute": 27, "second": 34}
